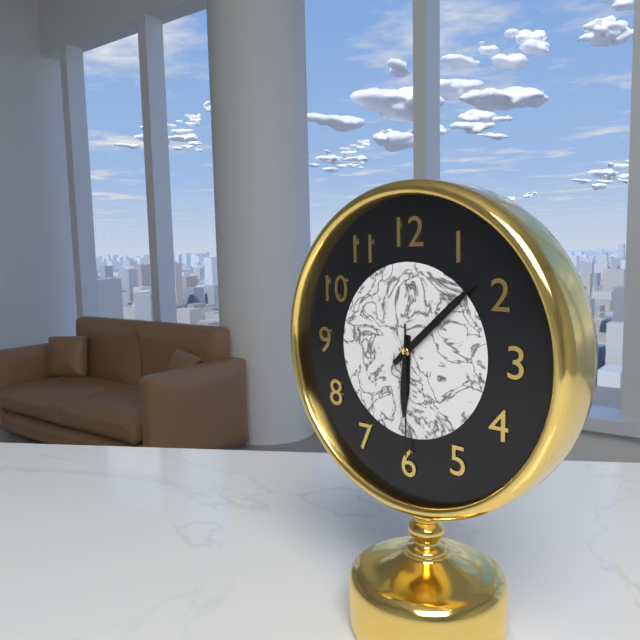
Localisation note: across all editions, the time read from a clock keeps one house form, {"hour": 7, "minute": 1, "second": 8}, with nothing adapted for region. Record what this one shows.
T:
{"hour": 6, "minute": 8, "second": 30}
